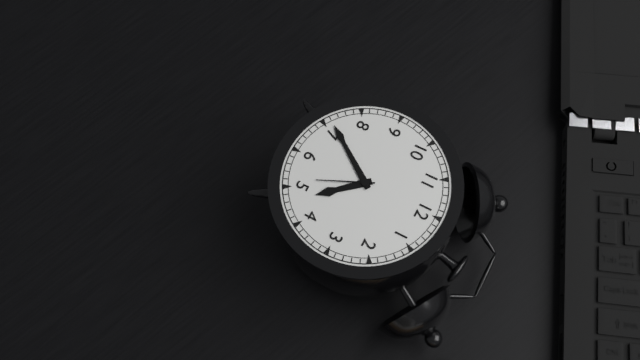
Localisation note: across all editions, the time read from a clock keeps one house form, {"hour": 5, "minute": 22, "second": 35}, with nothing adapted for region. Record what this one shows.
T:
{"hour": 4, "minute": 36, "second": 26}
